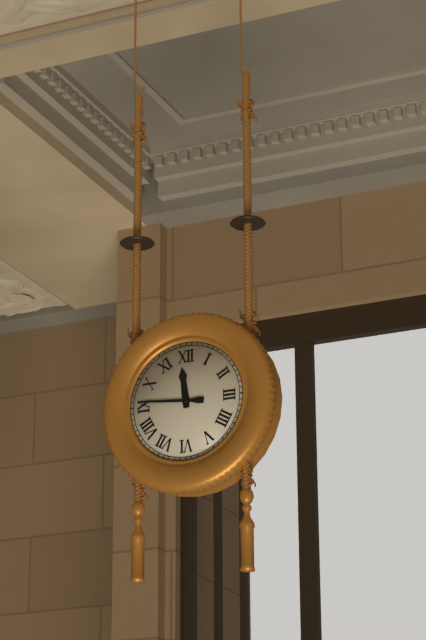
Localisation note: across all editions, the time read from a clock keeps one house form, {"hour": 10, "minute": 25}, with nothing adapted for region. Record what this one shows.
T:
{"hour": 11, "minute": 46}
